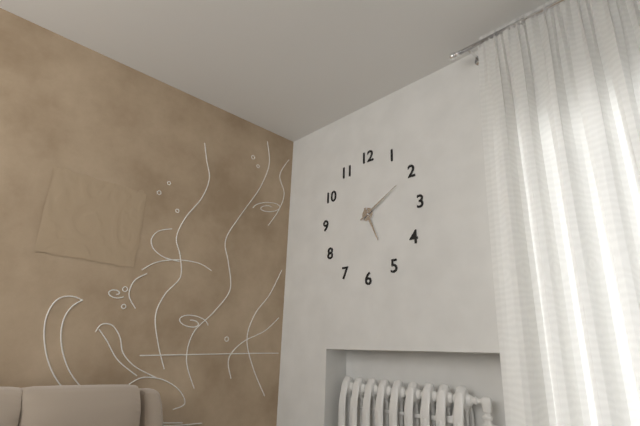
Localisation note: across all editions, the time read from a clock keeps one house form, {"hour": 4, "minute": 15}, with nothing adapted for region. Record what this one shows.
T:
{"hour": 5, "minute": 10}
